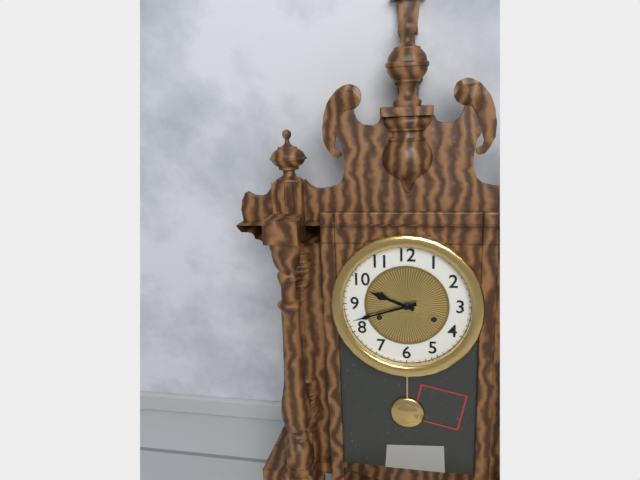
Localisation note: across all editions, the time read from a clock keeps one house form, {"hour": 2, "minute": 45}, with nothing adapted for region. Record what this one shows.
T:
{"hour": 9, "minute": 42}
